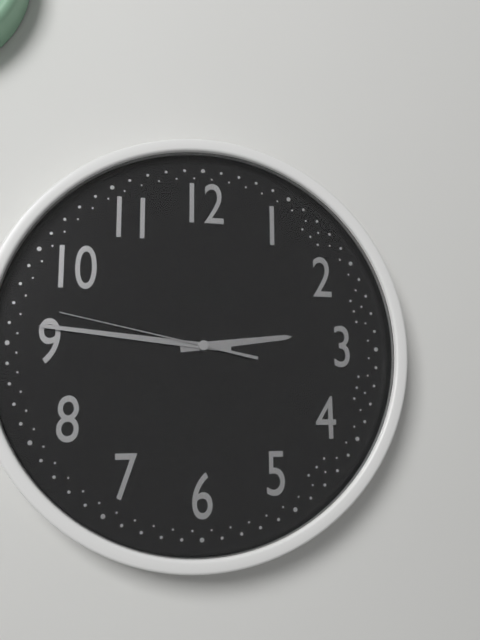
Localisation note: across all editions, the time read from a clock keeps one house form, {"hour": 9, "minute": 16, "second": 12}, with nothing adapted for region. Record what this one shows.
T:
{"hour": 2, "minute": 46, "second": 47}
